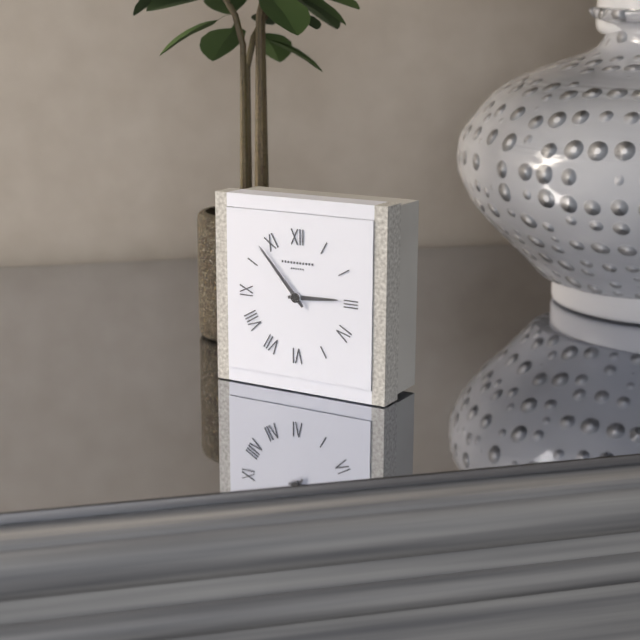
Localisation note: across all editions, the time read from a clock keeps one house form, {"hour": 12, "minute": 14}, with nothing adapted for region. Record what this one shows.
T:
{"hour": 2, "minute": 53}
